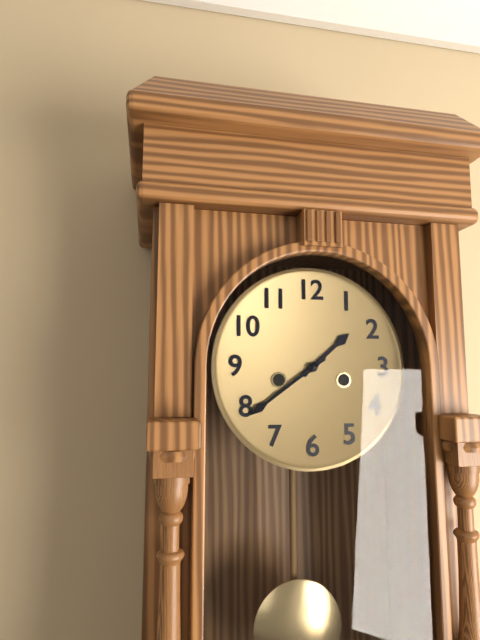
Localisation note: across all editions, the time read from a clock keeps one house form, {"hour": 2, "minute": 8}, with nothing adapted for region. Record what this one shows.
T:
{"hour": 1, "minute": 39}
